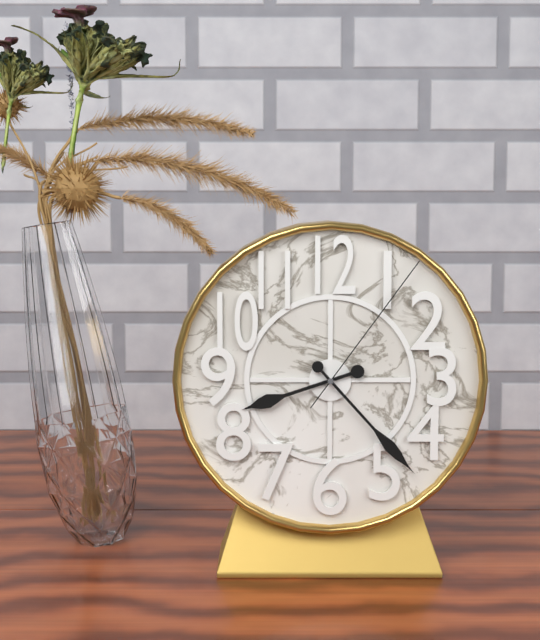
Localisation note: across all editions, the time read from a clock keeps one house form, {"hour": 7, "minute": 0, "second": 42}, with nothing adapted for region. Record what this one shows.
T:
{"hour": 8, "minute": 23, "second": 6}
